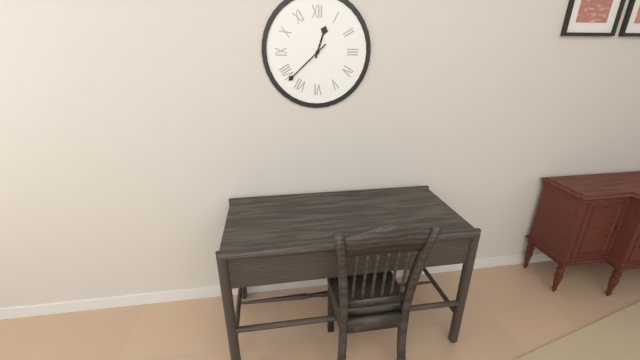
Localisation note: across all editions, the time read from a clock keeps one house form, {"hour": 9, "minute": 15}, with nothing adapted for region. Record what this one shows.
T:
{"hour": 12, "minute": 38}
